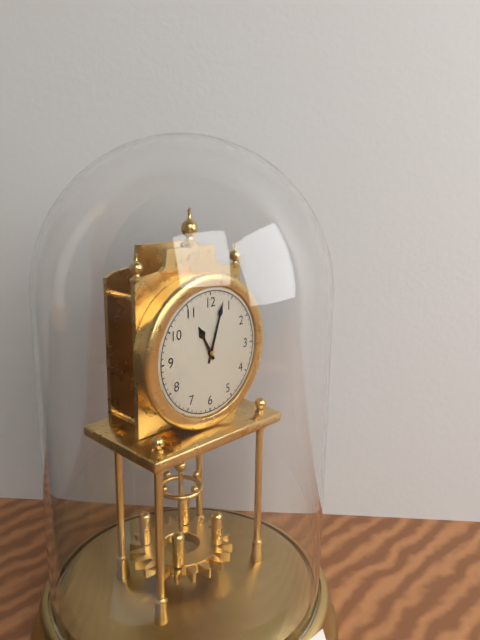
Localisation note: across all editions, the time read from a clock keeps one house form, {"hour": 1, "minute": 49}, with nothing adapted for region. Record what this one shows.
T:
{"hour": 11, "minute": 3}
